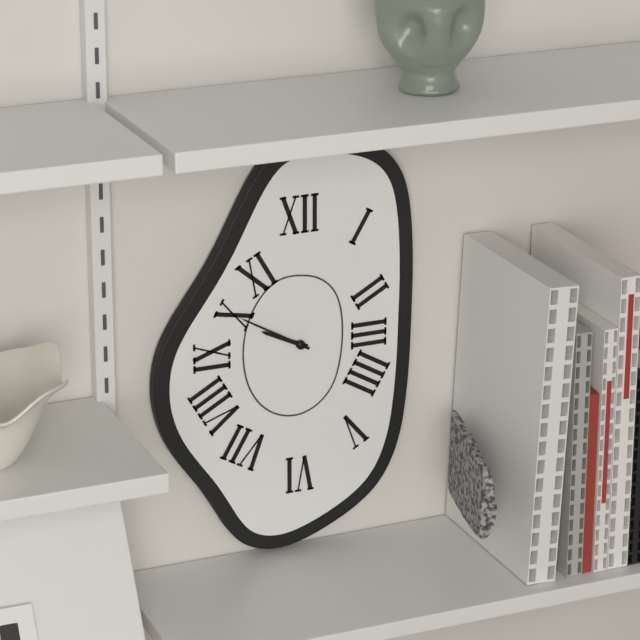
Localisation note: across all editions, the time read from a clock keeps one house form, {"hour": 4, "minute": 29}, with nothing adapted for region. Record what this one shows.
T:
{"hour": 9, "minute": 50}
